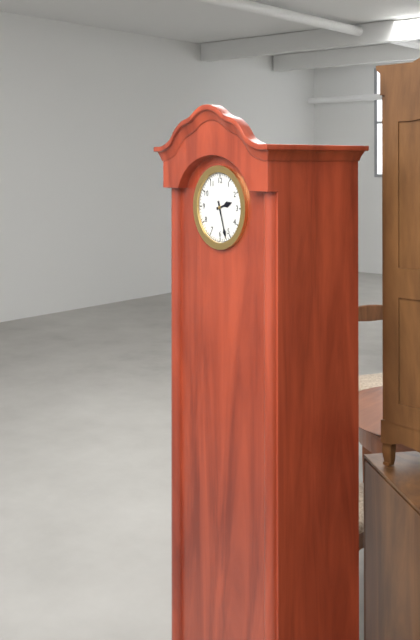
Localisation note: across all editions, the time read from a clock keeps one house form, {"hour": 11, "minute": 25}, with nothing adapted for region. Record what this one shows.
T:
{"hour": 2, "minute": 27}
